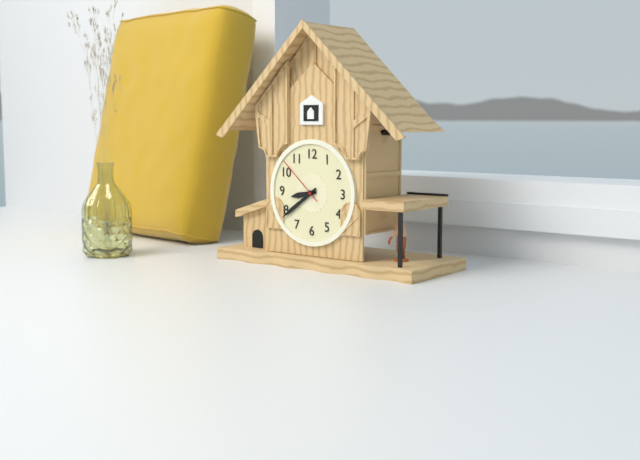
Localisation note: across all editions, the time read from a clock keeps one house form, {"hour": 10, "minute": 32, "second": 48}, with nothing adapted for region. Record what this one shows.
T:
{"hour": 8, "minute": 39, "second": 52}
